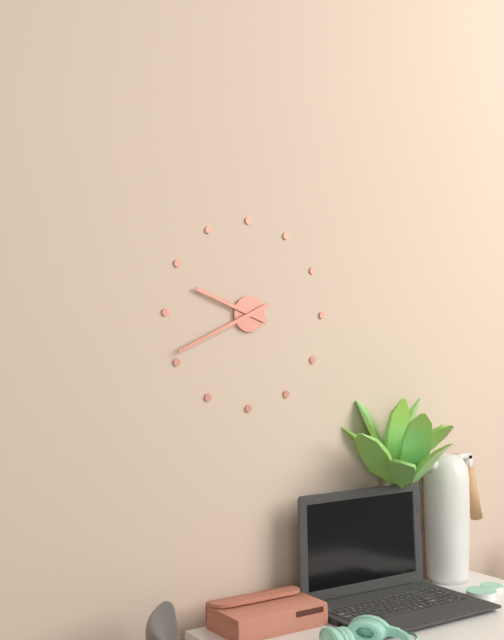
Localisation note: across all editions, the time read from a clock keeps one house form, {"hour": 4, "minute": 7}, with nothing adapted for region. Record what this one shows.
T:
{"hour": 9, "minute": 41}
